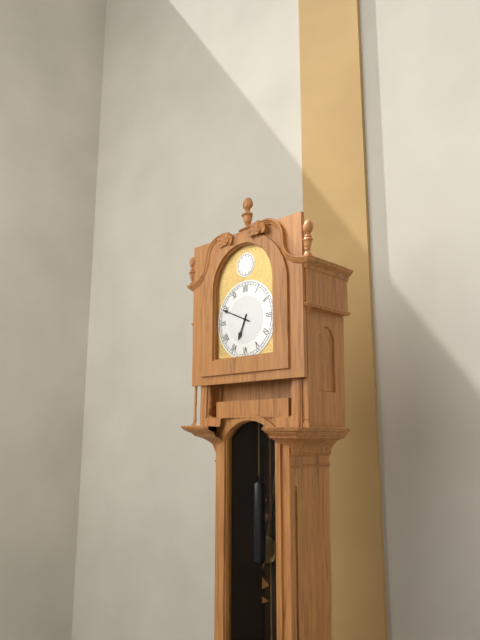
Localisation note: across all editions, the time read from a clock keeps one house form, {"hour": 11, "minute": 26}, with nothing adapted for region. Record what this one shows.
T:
{"hour": 6, "minute": 49}
